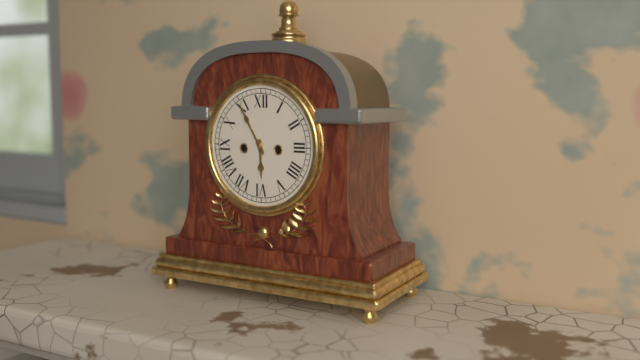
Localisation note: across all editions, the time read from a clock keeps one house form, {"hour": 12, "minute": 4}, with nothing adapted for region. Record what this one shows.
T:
{"hour": 5, "minute": 55}
